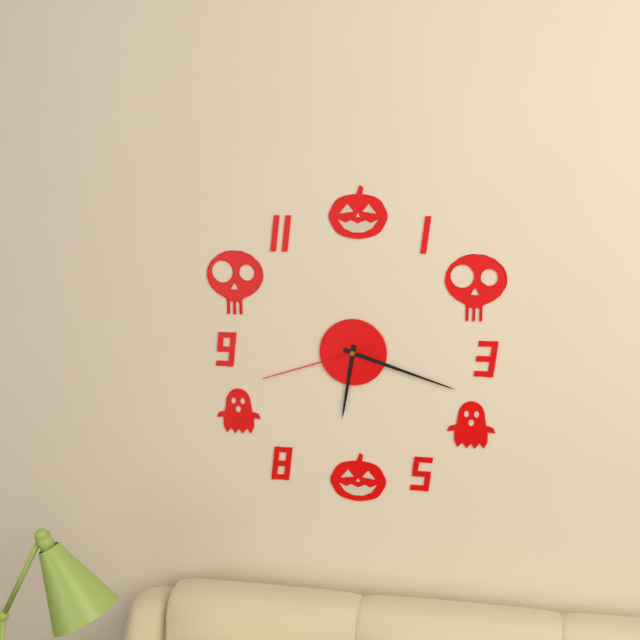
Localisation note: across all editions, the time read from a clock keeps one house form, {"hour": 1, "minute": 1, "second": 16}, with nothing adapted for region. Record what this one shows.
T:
{"hour": 6, "minute": 18, "second": 42}
